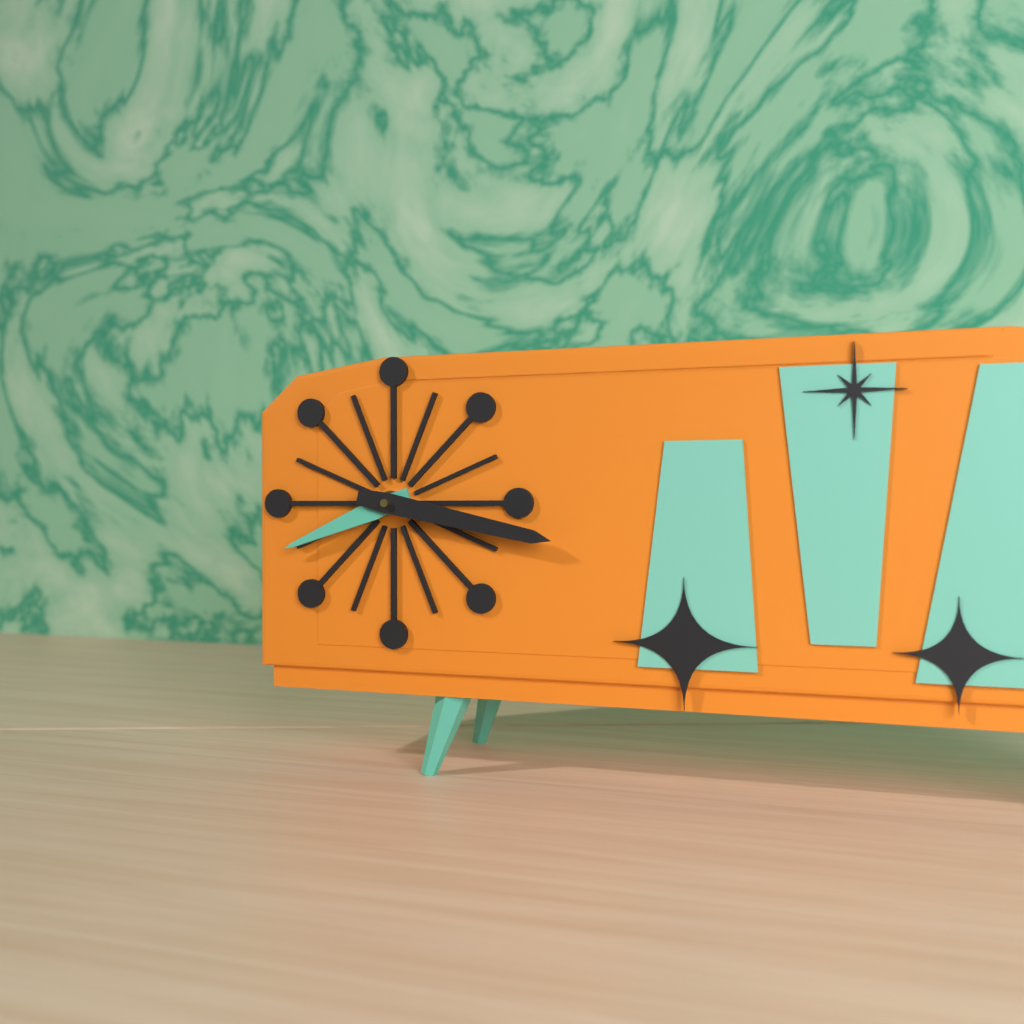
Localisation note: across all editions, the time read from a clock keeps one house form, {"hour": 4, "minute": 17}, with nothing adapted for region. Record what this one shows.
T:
{"hour": 8, "minute": 17}
